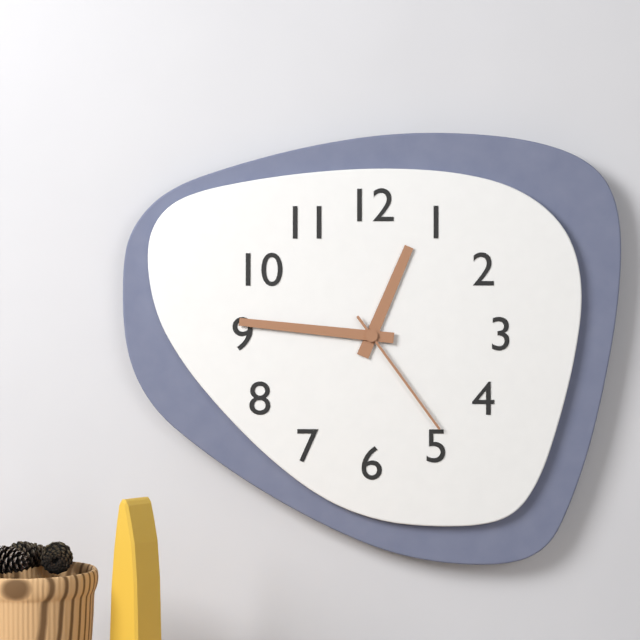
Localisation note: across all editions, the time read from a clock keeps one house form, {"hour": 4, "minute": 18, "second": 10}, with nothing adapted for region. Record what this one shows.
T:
{"hour": 12, "minute": 46, "second": 24}
